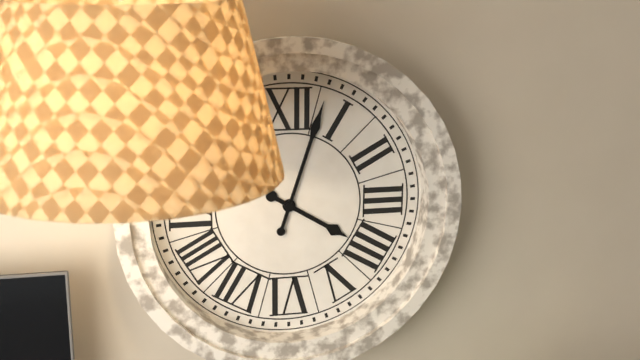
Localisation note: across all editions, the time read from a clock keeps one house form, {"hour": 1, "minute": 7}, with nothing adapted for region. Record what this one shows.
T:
{"hour": 4, "minute": 3}
